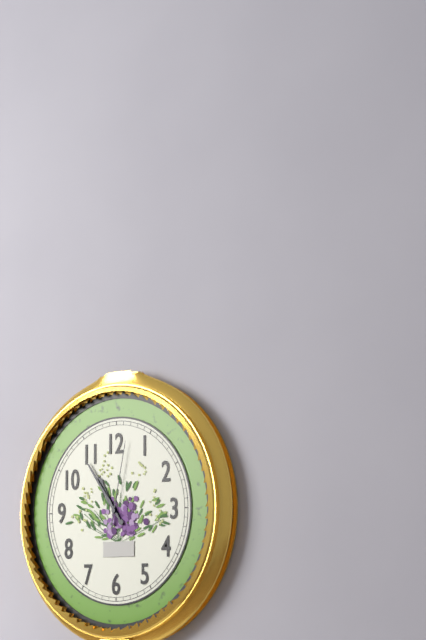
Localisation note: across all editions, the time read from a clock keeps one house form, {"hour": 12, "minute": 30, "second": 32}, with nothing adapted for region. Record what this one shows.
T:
{"hour": 10, "minute": 54, "second": 2}
